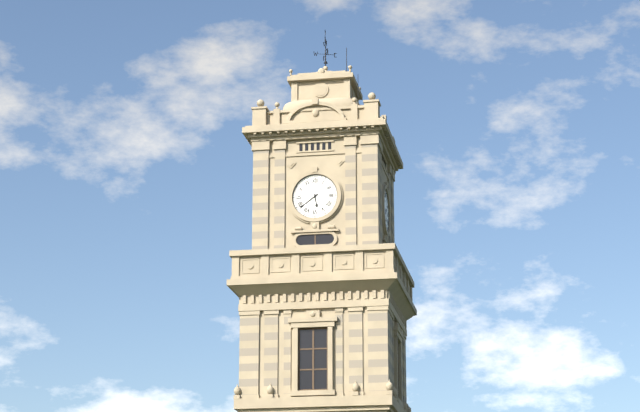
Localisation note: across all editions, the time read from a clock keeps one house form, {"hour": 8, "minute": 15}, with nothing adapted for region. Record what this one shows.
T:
{"hour": 5, "minute": 39}
